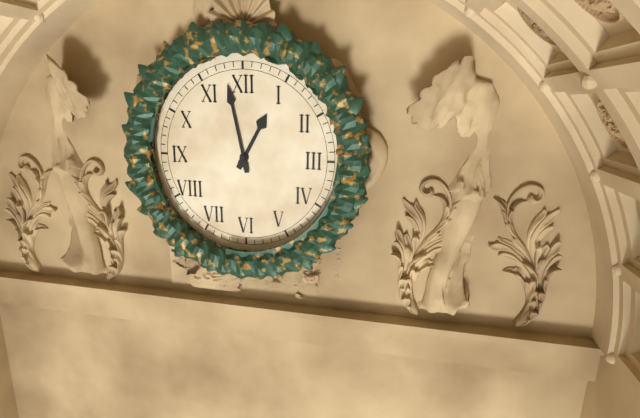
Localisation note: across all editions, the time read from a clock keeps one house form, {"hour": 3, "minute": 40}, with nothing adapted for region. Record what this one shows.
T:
{"hour": 12, "minute": 58}
